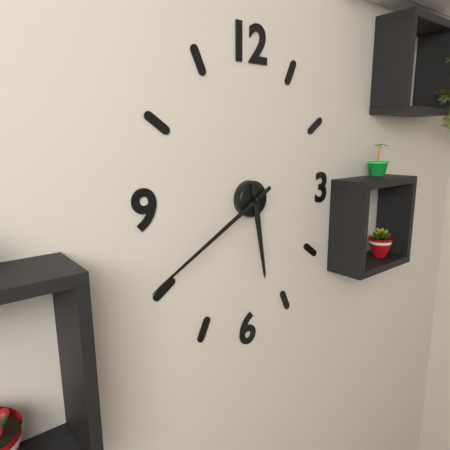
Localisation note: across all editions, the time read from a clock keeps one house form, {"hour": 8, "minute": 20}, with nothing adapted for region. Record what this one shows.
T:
{"hour": 5, "minute": 40}
